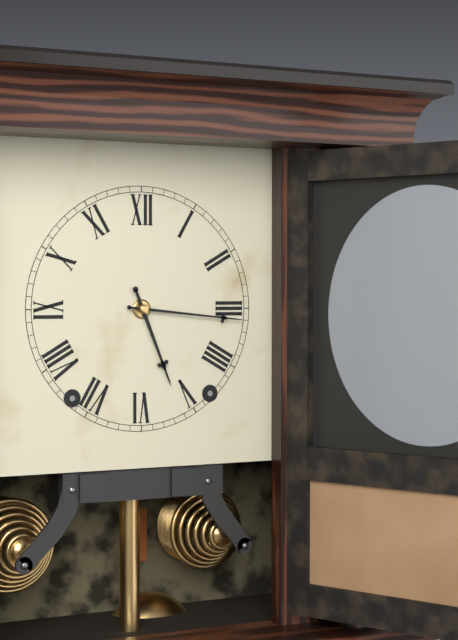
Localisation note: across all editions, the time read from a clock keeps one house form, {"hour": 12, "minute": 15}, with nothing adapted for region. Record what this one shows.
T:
{"hour": 5, "minute": 16}
